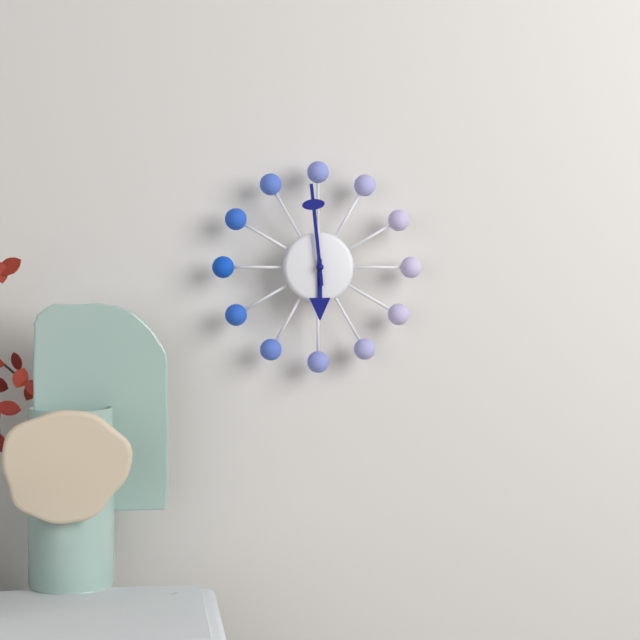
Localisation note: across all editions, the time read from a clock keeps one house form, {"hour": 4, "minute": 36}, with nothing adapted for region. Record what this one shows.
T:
{"hour": 5, "minute": 59}
